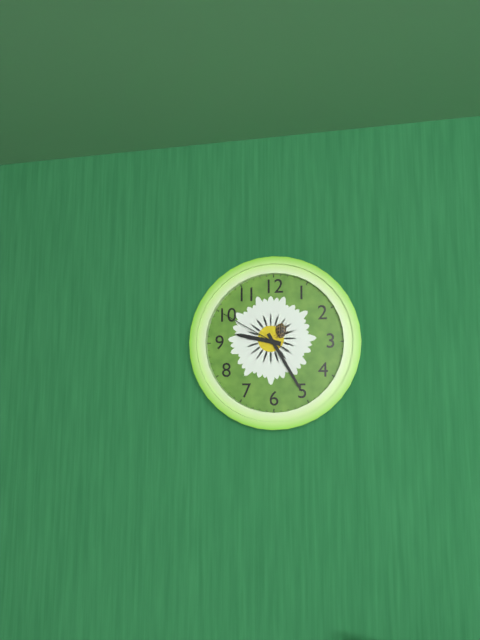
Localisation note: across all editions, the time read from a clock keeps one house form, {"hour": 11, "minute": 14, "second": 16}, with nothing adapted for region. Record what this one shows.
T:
{"hour": 9, "minute": 25, "second": 50}
